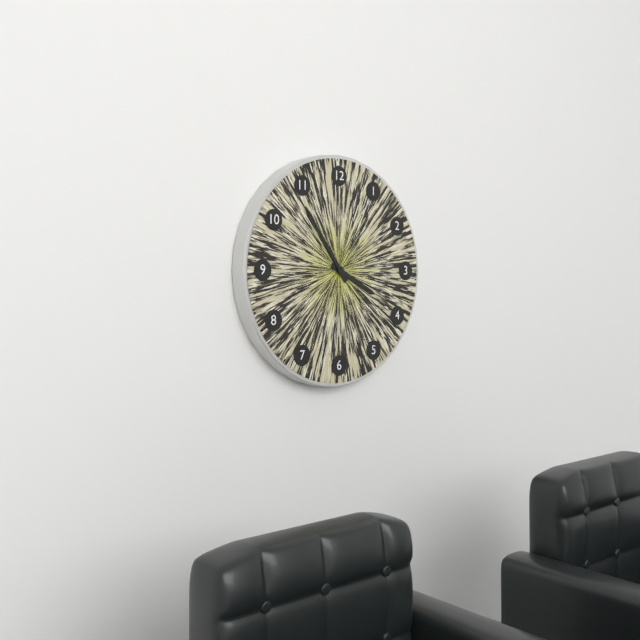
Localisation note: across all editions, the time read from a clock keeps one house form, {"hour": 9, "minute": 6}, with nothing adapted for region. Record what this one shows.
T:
{"hour": 3, "minute": 54}
